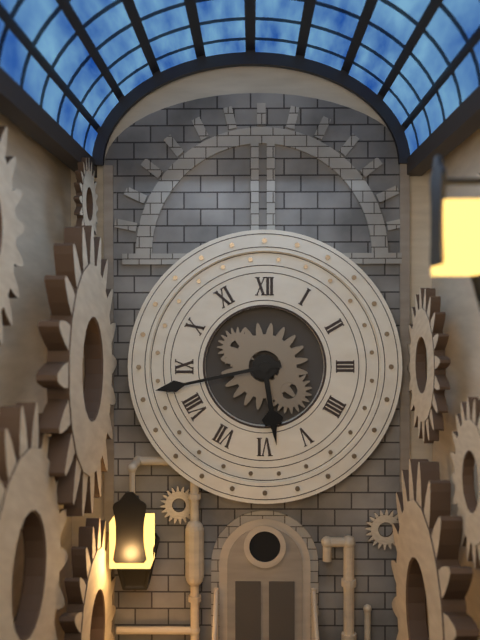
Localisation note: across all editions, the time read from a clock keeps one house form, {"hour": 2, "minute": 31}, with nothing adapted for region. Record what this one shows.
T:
{"hour": 5, "minute": 43}
